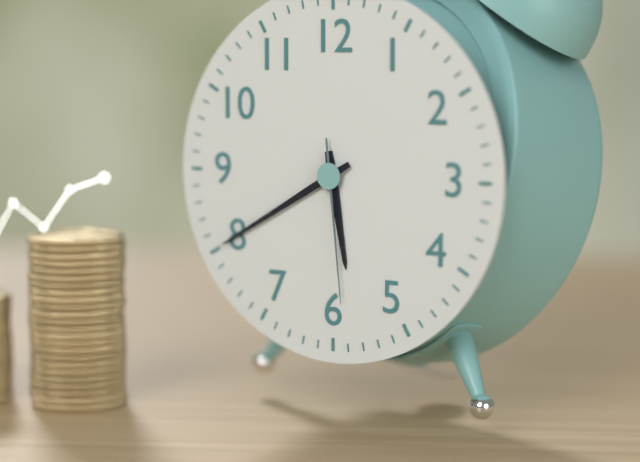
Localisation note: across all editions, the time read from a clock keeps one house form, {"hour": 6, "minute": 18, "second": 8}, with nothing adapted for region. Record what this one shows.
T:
{"hour": 5, "minute": 40, "second": 29}
